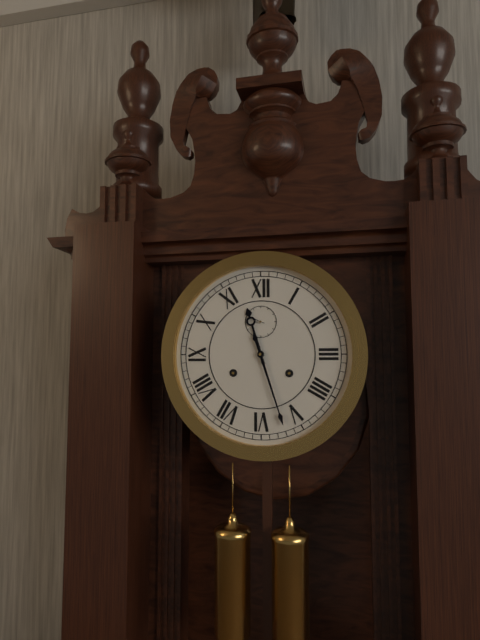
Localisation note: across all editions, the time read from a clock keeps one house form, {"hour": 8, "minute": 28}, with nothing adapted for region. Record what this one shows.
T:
{"hour": 11, "minute": 27}
